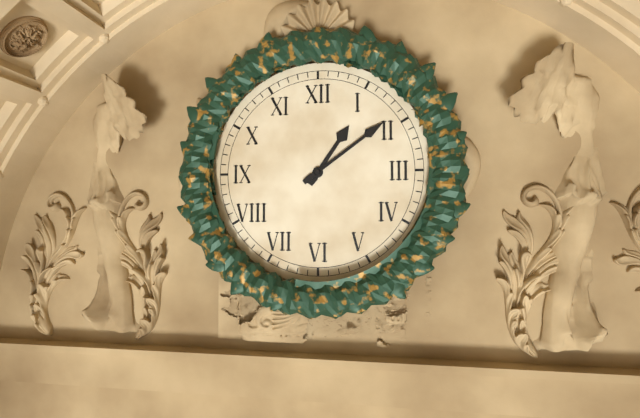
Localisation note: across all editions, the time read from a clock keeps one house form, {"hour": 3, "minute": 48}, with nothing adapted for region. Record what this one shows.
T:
{"hour": 1, "minute": 9}
